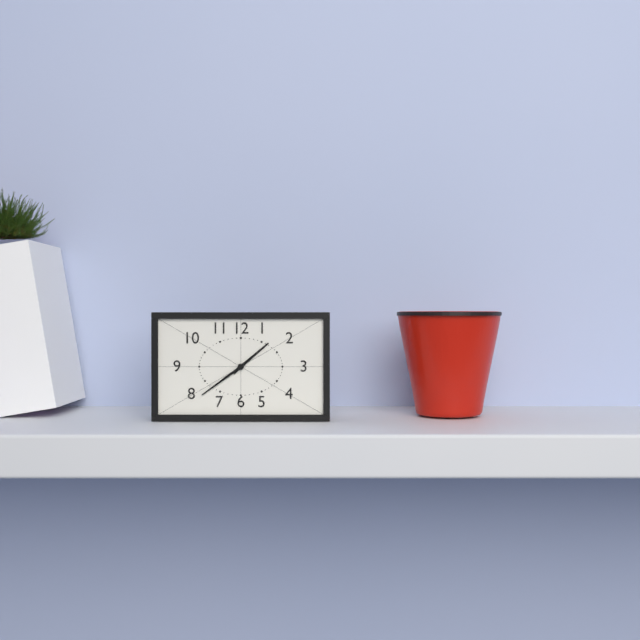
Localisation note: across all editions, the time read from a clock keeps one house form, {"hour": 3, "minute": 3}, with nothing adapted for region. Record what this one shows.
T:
{"hour": 1, "minute": 39}
